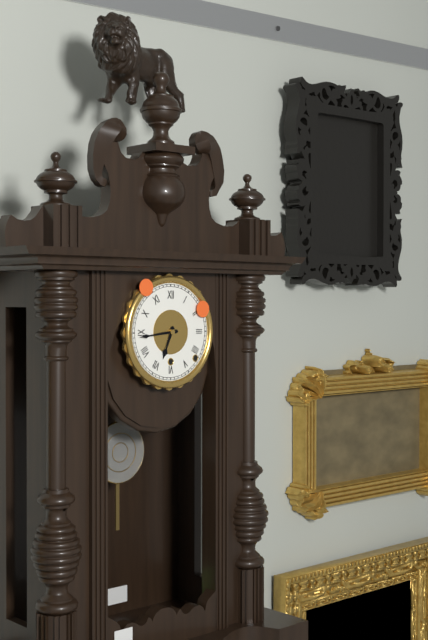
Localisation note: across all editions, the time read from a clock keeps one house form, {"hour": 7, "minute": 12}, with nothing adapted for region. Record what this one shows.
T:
{"hour": 6, "minute": 44}
